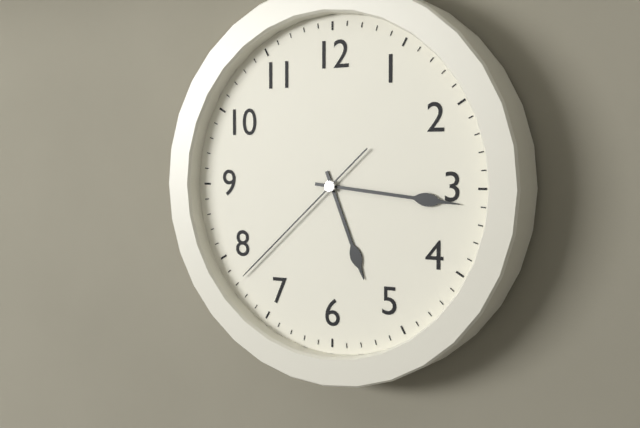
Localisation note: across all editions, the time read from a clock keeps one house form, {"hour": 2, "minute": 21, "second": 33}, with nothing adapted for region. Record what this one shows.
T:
{"hour": 5, "minute": 16, "second": 38}
